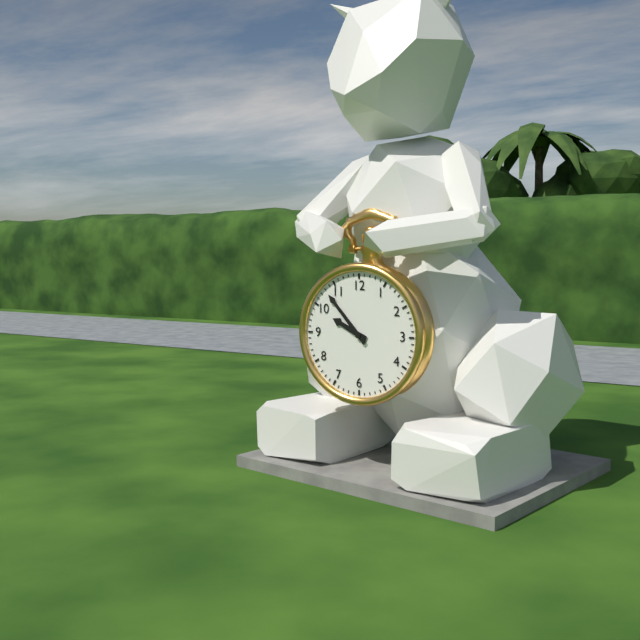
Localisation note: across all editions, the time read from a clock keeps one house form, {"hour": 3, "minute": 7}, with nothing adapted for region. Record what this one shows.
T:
{"hour": 9, "minute": 53}
